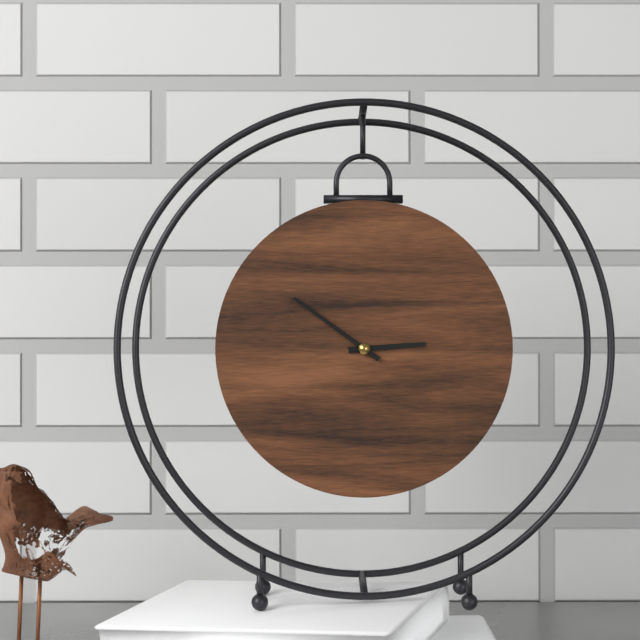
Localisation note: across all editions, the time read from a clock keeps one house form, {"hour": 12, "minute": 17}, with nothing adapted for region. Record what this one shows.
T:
{"hour": 2, "minute": 51}
